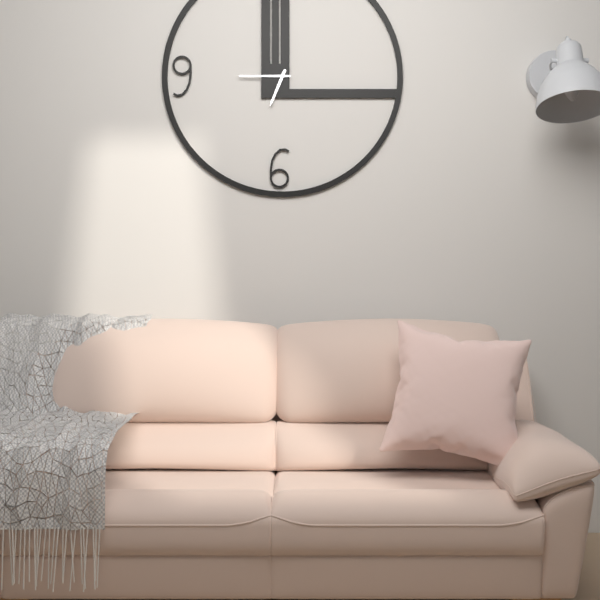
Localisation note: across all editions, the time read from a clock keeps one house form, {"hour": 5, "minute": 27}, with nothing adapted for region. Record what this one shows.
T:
{"hour": 6, "minute": 45}
